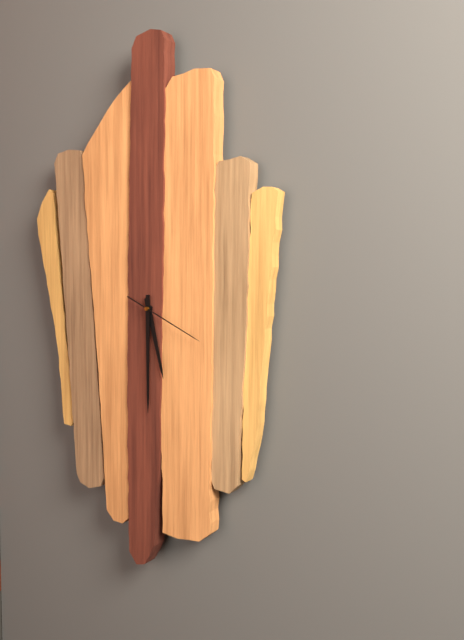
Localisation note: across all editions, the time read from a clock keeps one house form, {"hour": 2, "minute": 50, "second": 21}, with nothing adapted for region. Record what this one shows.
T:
{"hour": 5, "minute": 30, "second": 19}
